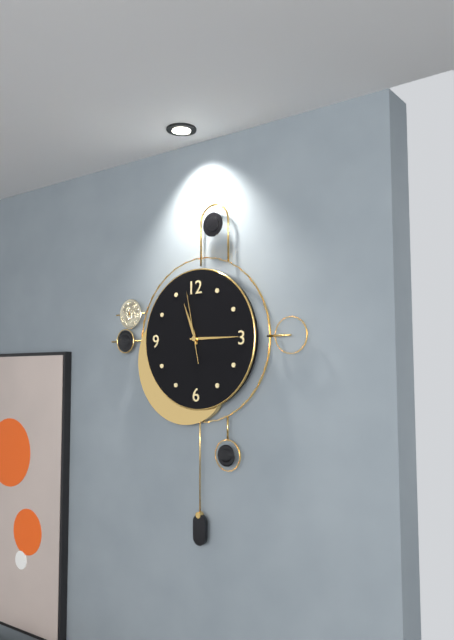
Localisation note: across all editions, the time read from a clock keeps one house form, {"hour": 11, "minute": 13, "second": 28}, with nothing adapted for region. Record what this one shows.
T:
{"hour": 11, "minute": 15, "second": 58}
